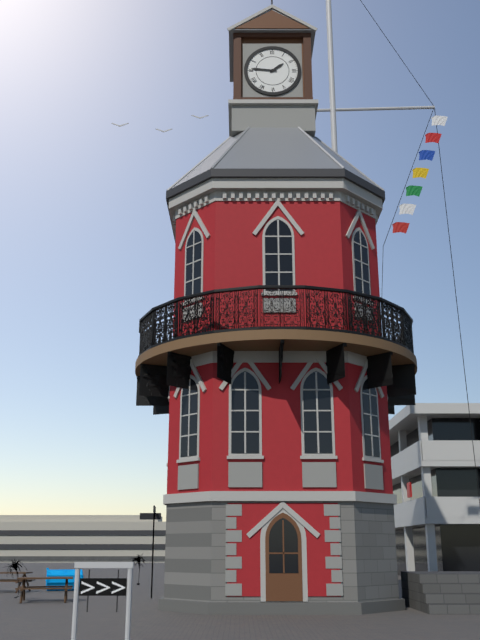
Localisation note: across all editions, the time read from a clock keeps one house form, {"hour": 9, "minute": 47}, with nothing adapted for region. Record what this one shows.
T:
{"hour": 1, "minute": 46}
